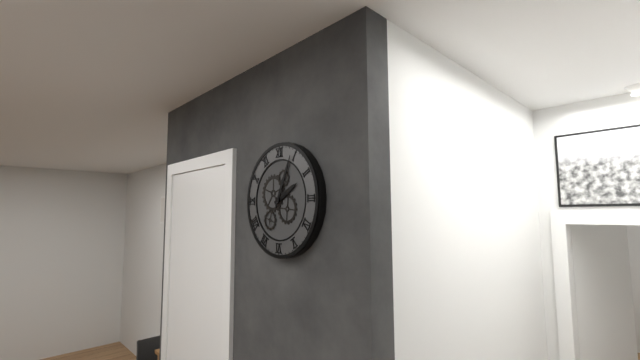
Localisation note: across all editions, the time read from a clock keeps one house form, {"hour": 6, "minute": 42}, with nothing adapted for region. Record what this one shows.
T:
{"hour": 2, "minute": 4}
